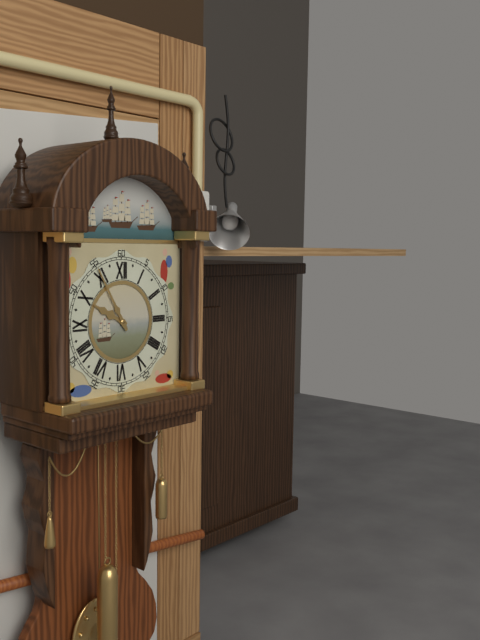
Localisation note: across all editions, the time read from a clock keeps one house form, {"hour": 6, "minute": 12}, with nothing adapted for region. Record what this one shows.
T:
{"hour": 9, "minute": 55}
